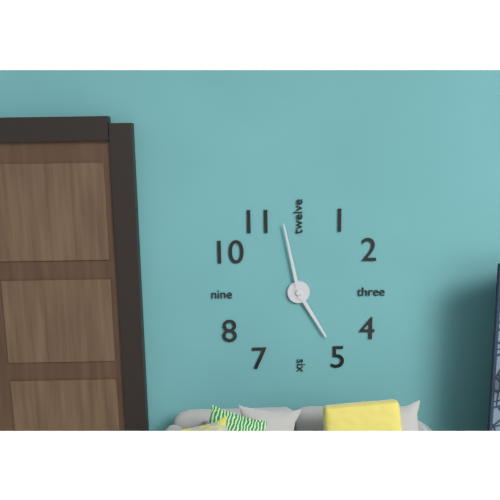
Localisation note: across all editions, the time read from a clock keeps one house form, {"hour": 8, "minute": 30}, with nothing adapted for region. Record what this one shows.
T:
{"hour": 4, "minute": 58}
